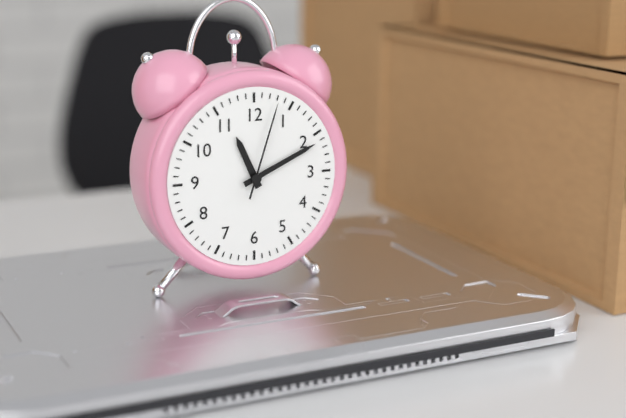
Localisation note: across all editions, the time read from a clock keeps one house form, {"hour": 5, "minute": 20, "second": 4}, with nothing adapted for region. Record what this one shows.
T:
{"hour": 11, "minute": 11, "second": 3}
